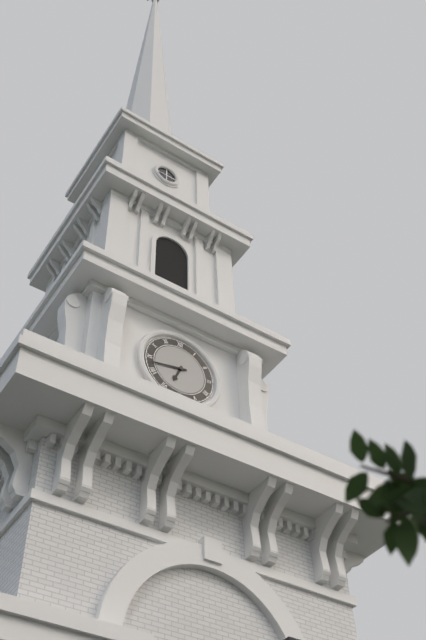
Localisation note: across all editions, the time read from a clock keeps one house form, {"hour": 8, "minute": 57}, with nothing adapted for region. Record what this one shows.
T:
{"hour": 6, "minute": 43}
